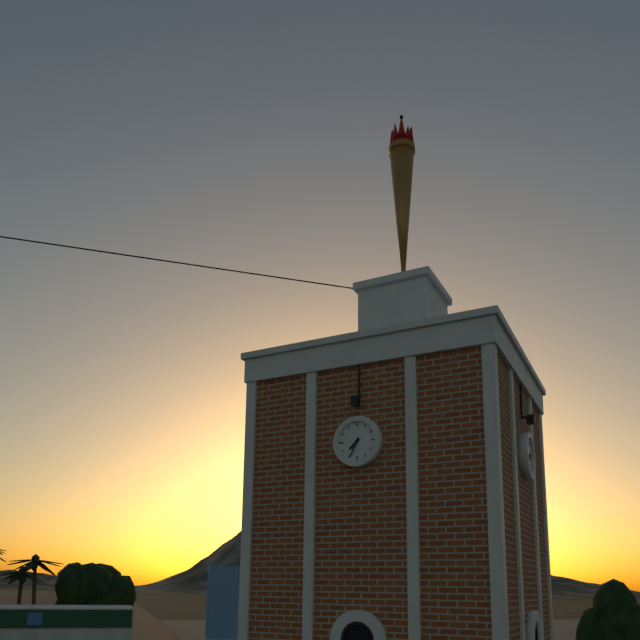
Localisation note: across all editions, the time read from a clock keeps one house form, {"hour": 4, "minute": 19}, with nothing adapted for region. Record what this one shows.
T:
{"hour": 7, "minute": 34}
